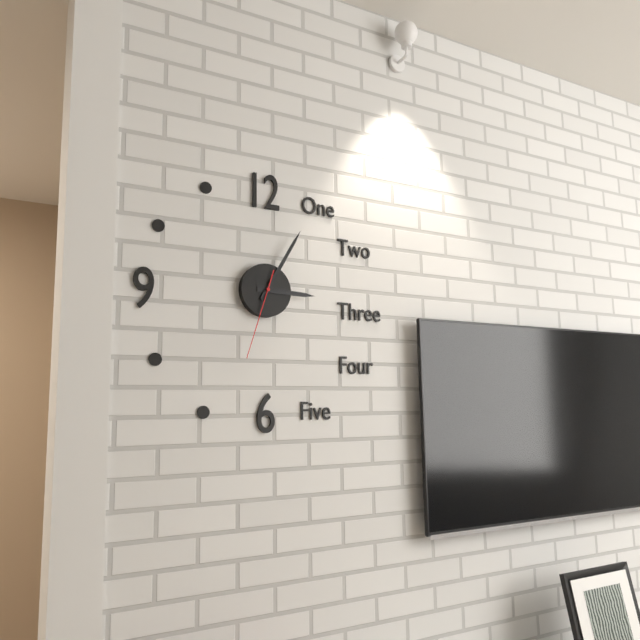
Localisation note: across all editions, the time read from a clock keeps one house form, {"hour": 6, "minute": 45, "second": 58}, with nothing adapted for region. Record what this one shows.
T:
{"hour": 3, "minute": 5, "second": 33}
